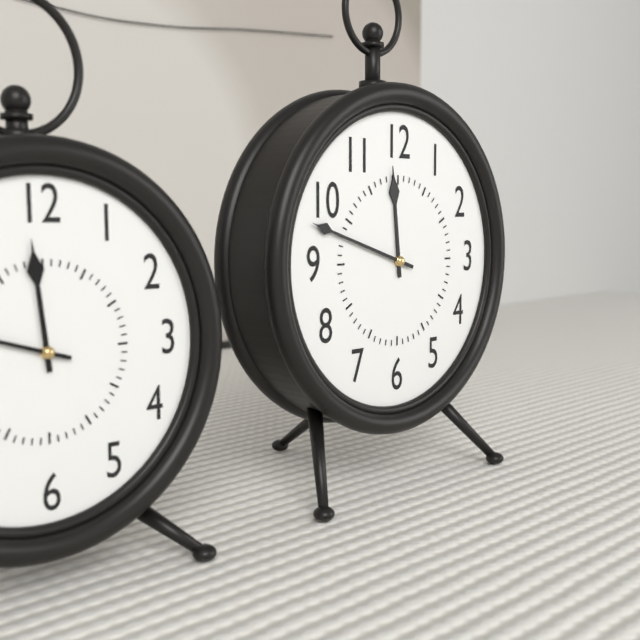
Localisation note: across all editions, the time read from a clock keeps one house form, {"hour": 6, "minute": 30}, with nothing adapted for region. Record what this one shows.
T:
{"hour": 11, "minute": 48}
